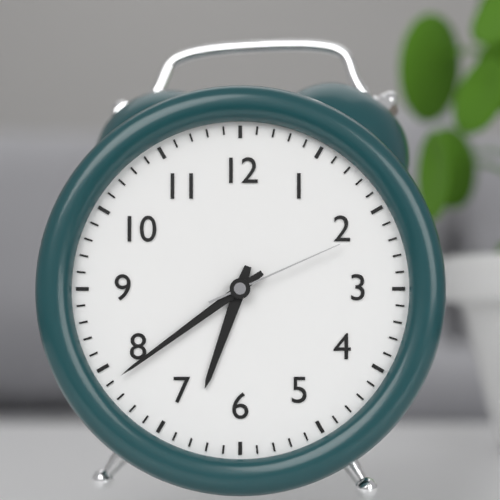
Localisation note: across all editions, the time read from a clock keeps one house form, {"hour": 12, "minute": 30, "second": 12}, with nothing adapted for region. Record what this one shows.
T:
{"hour": 6, "minute": 39, "second": 11}
